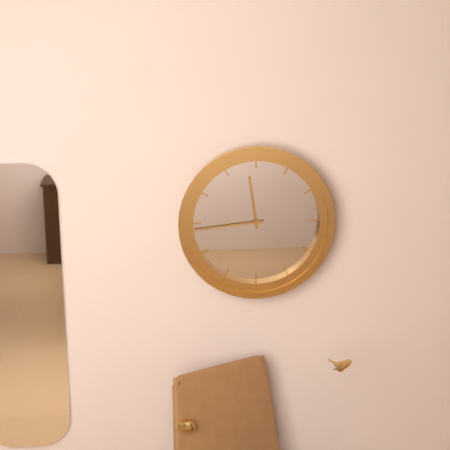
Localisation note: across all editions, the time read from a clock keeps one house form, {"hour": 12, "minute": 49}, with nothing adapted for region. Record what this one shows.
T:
{"hour": 11, "minute": 44}
